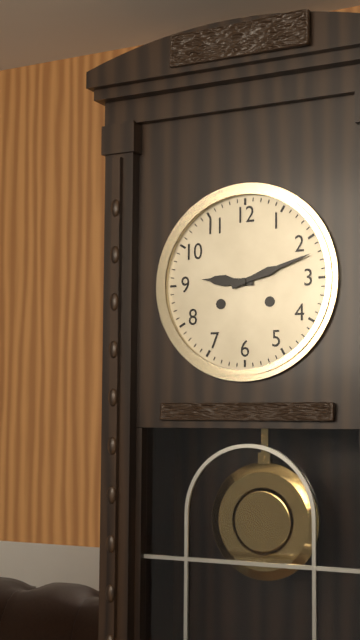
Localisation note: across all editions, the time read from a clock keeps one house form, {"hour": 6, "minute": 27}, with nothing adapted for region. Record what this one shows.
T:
{"hour": 9, "minute": 12}
